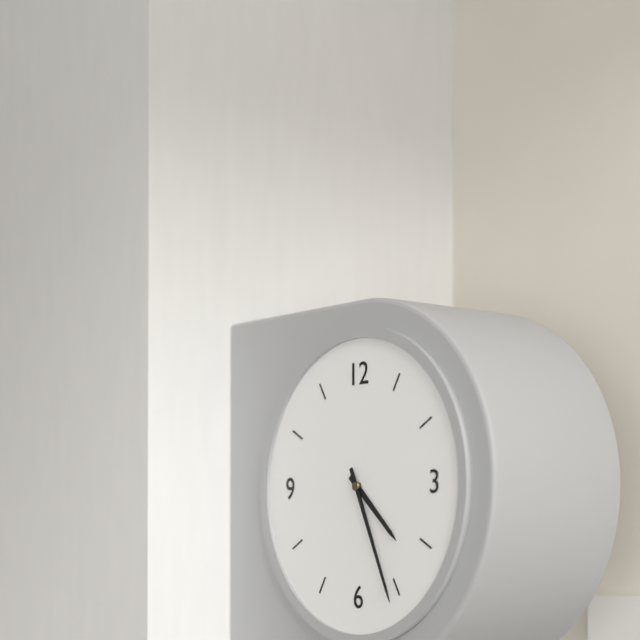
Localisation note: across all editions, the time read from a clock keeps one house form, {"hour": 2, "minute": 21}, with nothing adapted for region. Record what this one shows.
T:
{"hour": 4, "minute": 26}
